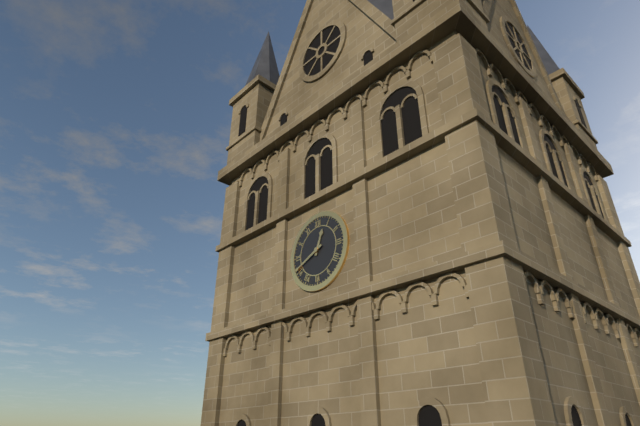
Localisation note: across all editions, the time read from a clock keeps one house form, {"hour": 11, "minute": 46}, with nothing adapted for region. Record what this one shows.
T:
{"hour": 12, "minute": 41}
